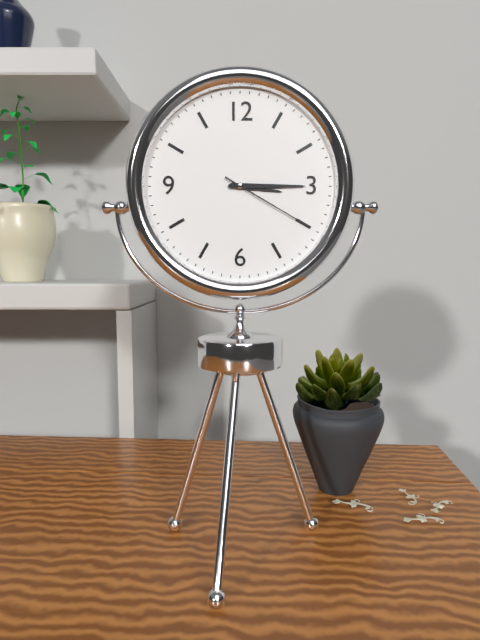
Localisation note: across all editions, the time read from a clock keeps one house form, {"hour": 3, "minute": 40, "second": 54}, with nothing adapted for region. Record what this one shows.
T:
{"hour": 3, "minute": 15, "second": 20}
